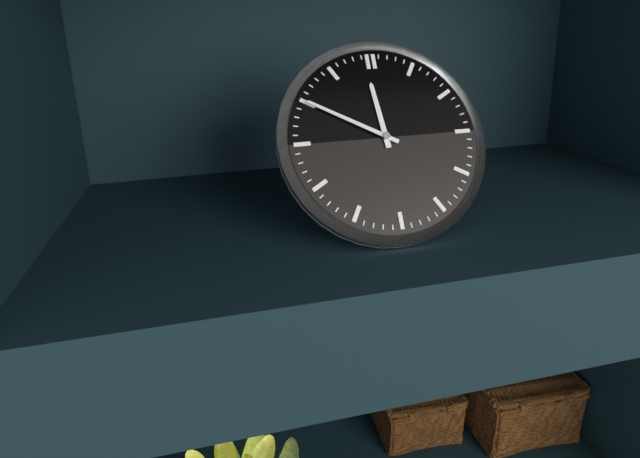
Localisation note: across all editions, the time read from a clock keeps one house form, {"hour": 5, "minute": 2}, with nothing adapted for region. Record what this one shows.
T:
{"hour": 11, "minute": 50}
